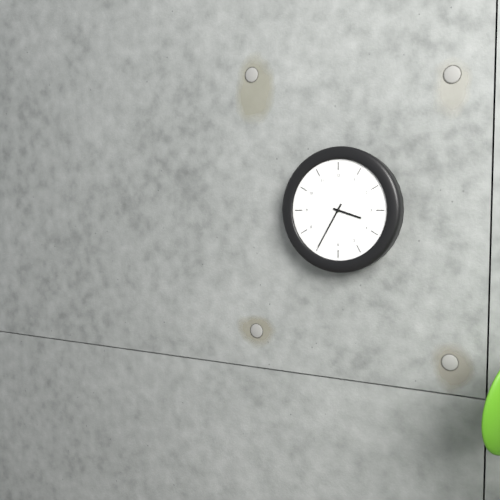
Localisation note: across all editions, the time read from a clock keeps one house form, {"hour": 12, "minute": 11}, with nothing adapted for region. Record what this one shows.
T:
{"hour": 3, "minute": 35}
